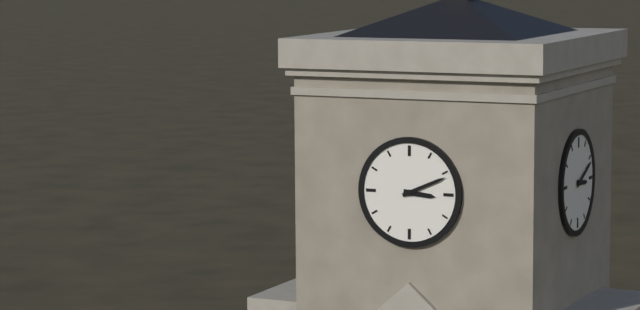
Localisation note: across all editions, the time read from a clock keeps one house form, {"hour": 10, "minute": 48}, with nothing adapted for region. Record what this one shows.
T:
{"hour": 3, "minute": 11}
